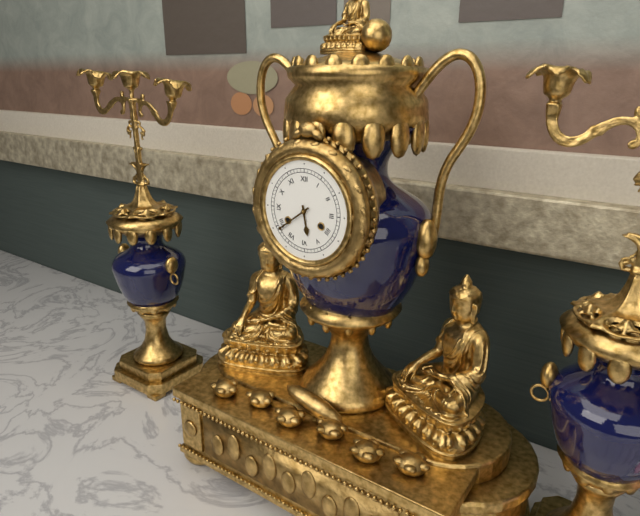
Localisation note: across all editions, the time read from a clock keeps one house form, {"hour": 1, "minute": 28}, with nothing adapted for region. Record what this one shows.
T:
{"hour": 5, "minute": 39}
